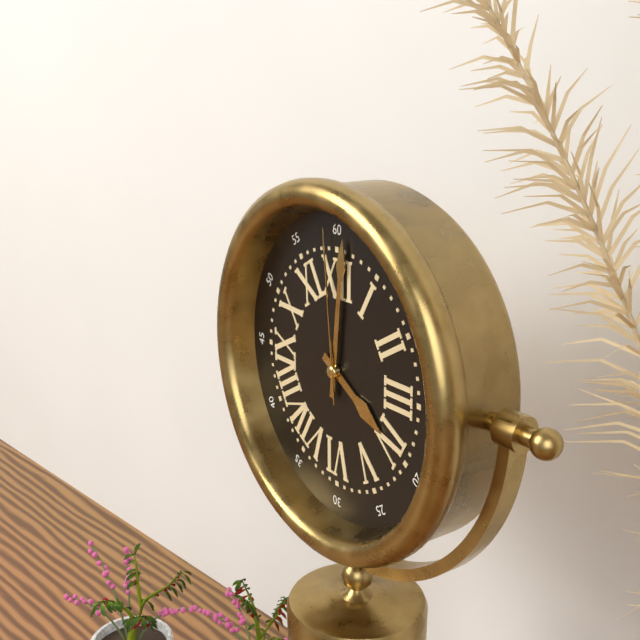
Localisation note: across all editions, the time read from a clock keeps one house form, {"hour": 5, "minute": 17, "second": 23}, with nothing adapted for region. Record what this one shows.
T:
{"hour": 4, "minute": 1, "second": 59}
